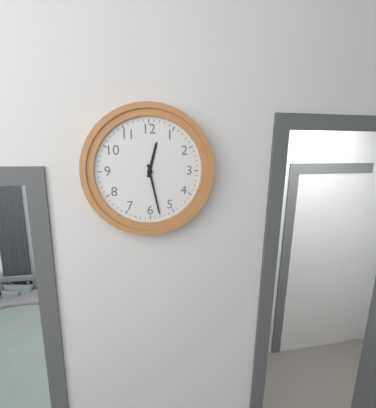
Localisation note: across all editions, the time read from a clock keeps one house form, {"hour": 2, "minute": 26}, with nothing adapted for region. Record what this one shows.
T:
{"hour": 12, "minute": 28}
